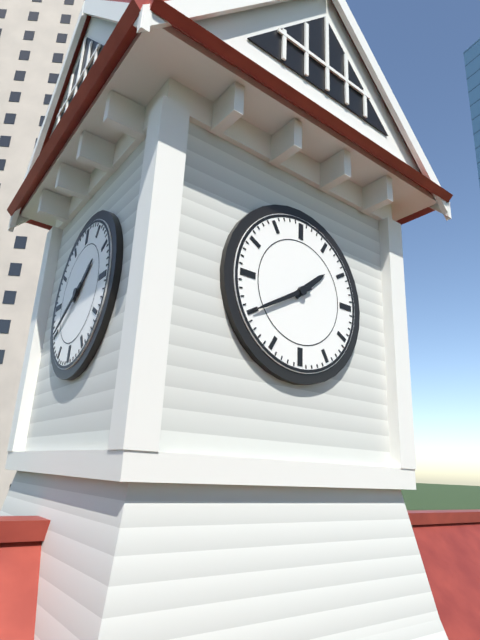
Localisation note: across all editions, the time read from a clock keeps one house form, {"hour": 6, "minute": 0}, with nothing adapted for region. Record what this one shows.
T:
{"hour": 1, "minute": 40}
